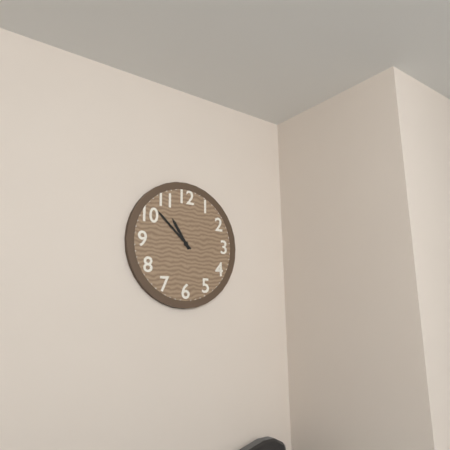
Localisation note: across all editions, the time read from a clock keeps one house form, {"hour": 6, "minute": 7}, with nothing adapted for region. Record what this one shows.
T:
{"hour": 10, "minute": 52}
